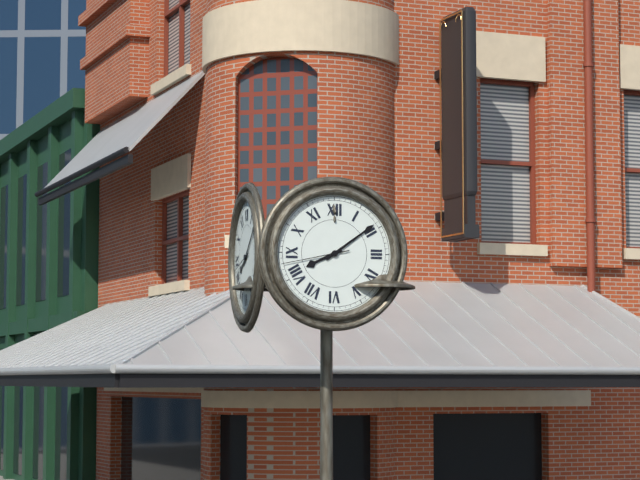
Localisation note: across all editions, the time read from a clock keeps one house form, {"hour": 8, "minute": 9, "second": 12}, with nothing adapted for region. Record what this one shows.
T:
{"hour": 8, "minute": 9, "second": 43}
